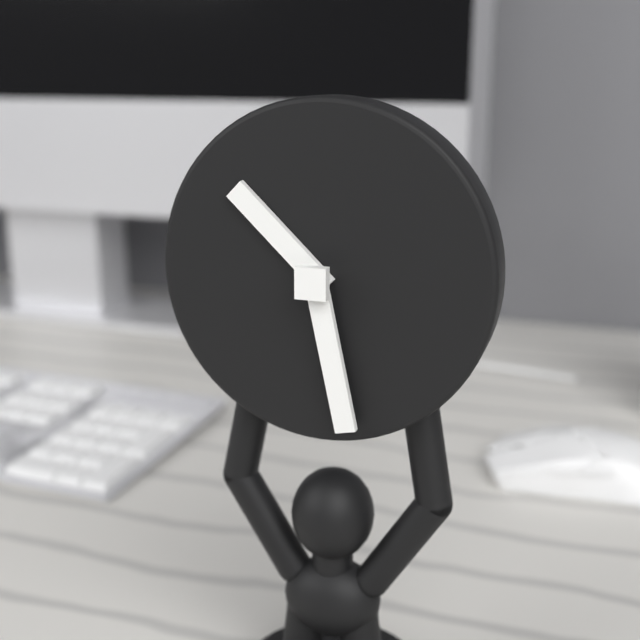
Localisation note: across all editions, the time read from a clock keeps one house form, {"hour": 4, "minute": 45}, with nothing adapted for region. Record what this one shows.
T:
{"hour": 10, "minute": 28}
